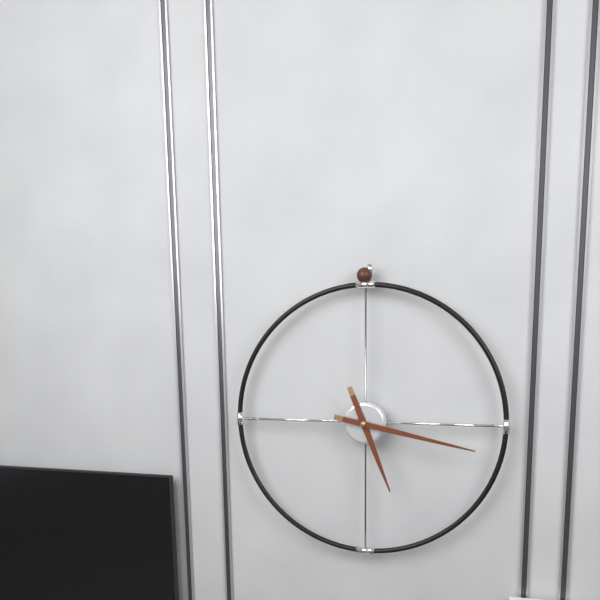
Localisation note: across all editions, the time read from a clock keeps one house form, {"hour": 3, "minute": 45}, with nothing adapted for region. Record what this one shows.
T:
{"hour": 5, "minute": 17}
